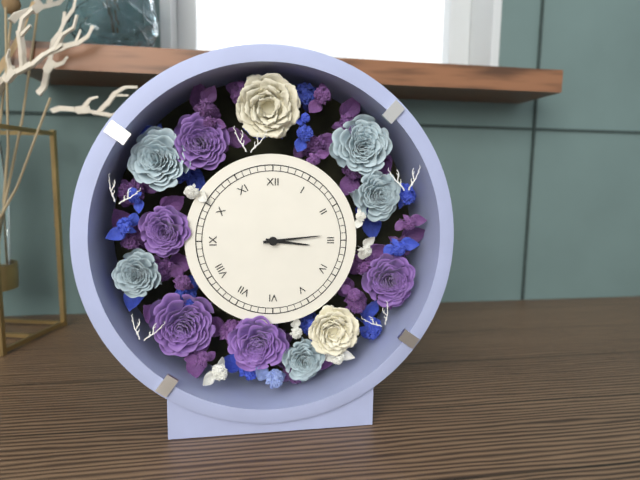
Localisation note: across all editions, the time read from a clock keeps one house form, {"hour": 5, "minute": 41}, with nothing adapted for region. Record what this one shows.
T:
{"hour": 3, "minute": 14}
